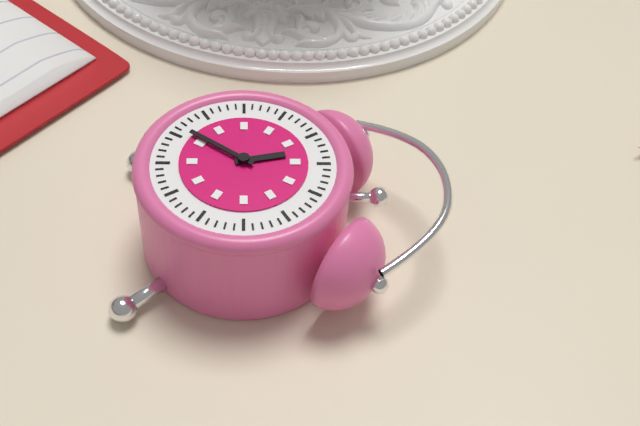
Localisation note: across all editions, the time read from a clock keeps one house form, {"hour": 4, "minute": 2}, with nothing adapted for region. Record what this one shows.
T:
{"hour": 11, "minute": 36}
